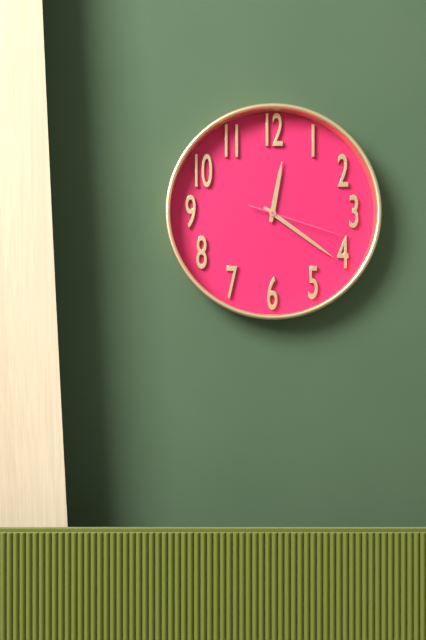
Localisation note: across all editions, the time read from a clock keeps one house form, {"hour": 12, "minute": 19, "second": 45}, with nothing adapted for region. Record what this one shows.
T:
{"hour": 12, "minute": 21, "second": 18}
